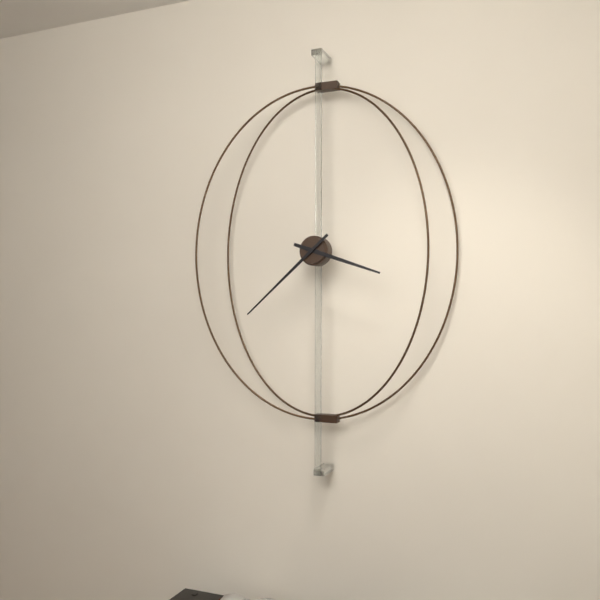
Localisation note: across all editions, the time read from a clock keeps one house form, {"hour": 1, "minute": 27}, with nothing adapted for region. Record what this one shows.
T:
{"hour": 3, "minute": 38}
